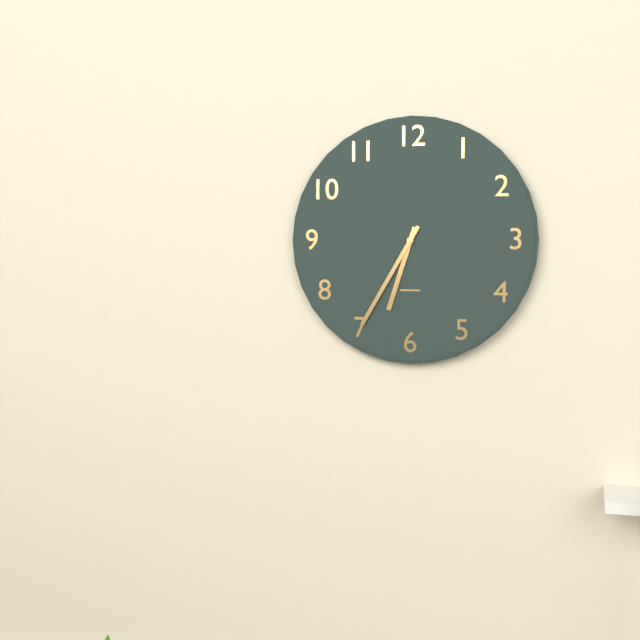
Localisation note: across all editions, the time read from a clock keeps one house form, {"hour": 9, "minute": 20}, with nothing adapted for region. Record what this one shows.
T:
{"hour": 6, "minute": 35}
